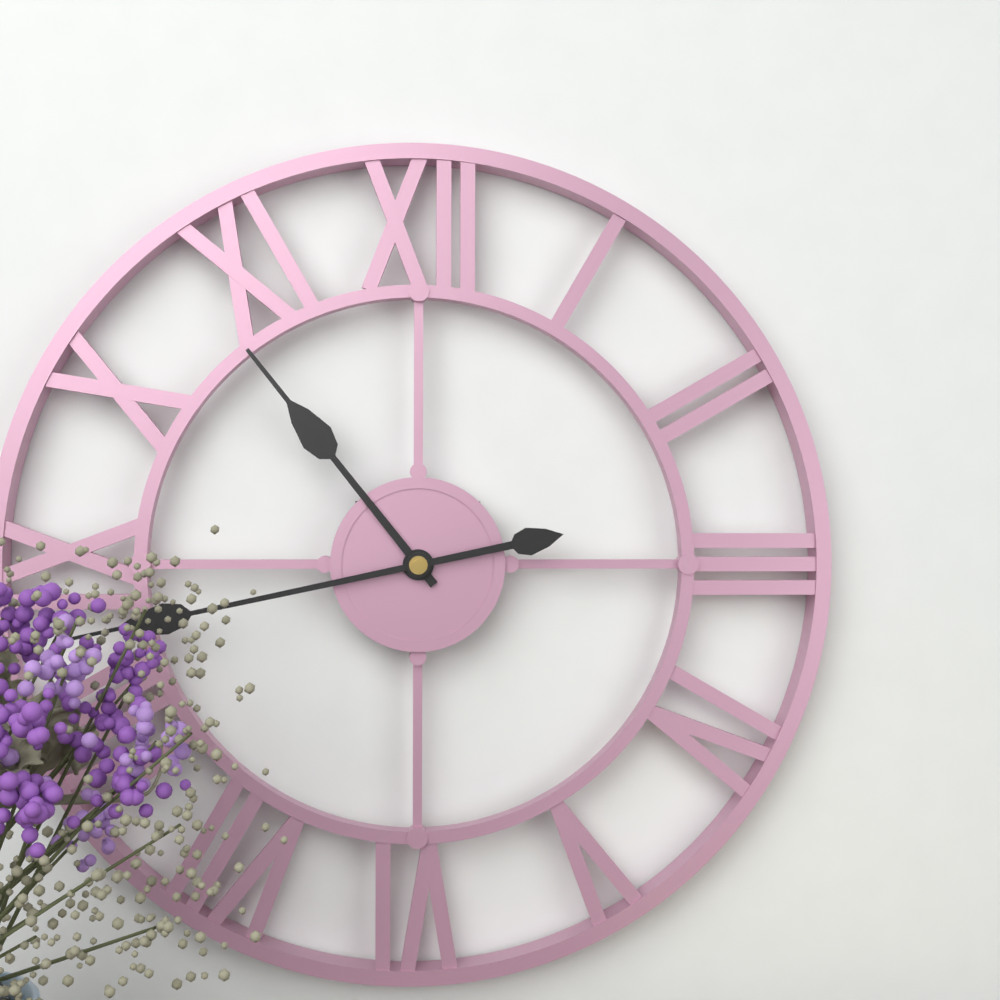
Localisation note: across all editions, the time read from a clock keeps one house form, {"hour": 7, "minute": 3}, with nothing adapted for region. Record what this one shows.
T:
{"hour": 10, "minute": 43}
